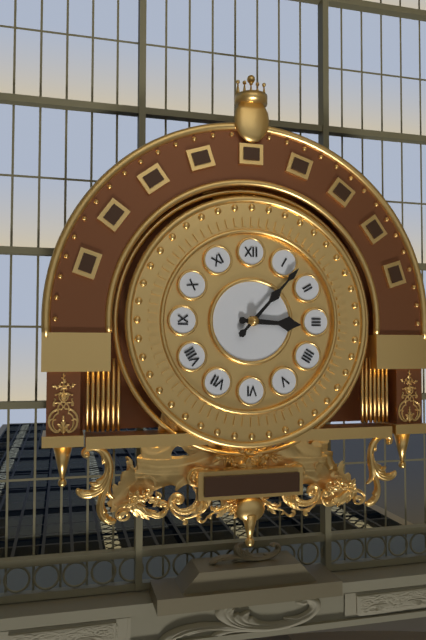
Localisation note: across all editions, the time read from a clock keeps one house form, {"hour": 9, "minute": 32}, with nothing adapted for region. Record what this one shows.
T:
{"hour": 3, "minute": 7}
